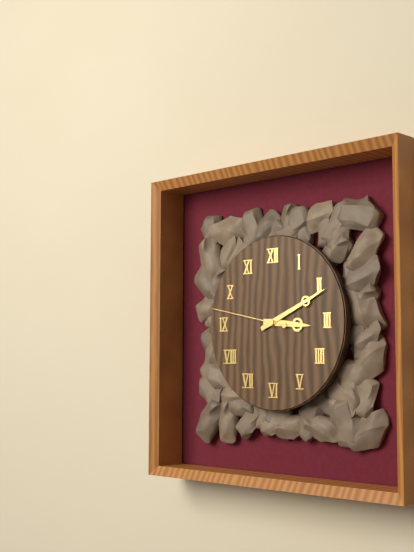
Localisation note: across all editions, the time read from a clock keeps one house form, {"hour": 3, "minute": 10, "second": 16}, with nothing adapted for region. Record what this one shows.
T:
{"hour": 3, "minute": 11, "second": 47}
